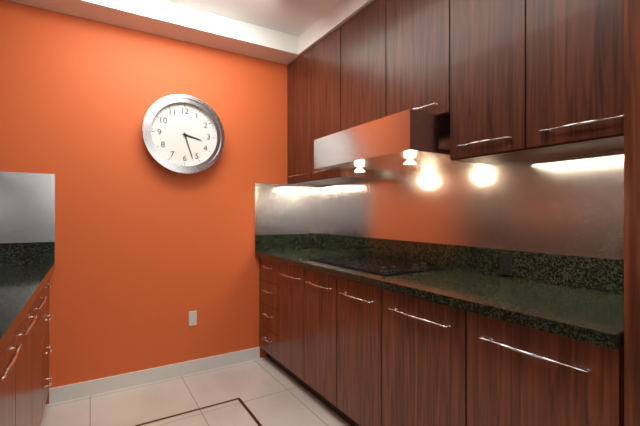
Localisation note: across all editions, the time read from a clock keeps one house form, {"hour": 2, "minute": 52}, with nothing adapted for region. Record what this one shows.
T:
{"hour": 3, "minute": 27}
